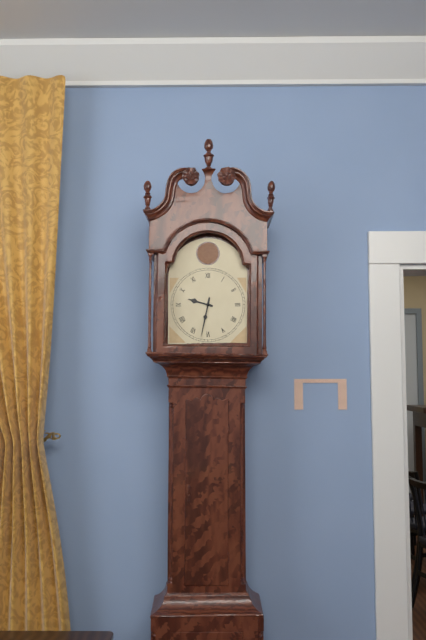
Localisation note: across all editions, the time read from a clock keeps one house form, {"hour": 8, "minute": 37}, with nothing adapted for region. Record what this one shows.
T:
{"hour": 9, "minute": 32}
